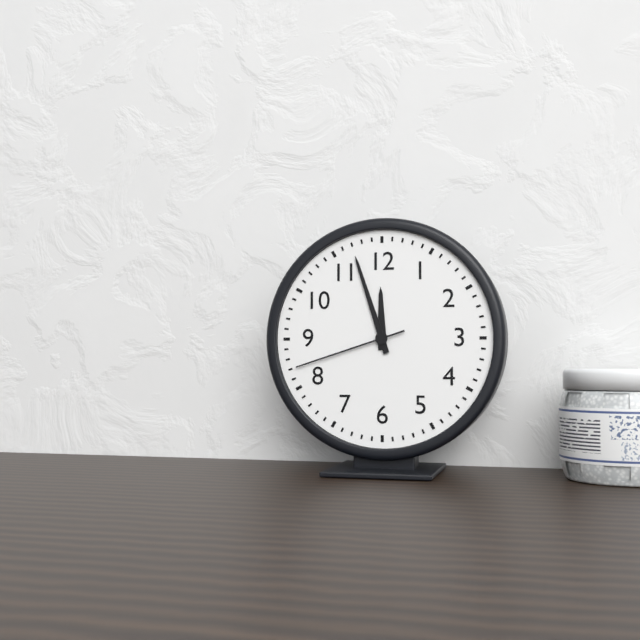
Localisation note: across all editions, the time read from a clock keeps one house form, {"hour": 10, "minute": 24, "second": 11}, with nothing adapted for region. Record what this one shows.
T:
{"hour": 11, "minute": 57, "second": 42}
